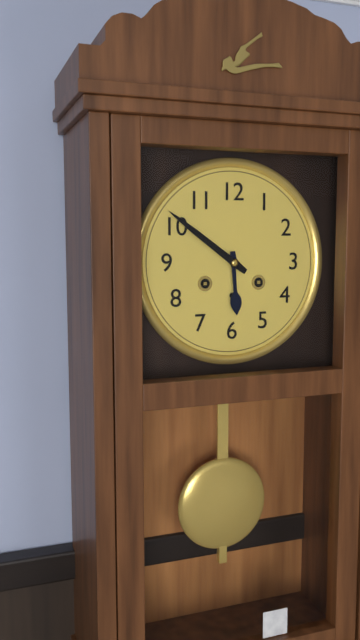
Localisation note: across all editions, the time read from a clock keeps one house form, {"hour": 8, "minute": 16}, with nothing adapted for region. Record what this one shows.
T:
{"hour": 5, "minute": 51}
